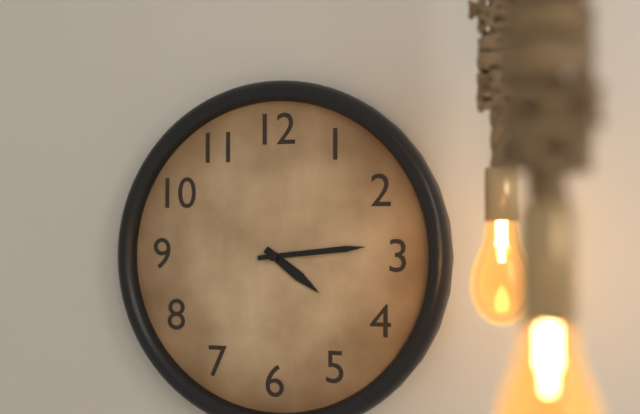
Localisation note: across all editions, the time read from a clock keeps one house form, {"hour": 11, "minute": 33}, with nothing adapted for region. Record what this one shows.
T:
{"hour": 4, "minute": 14}
